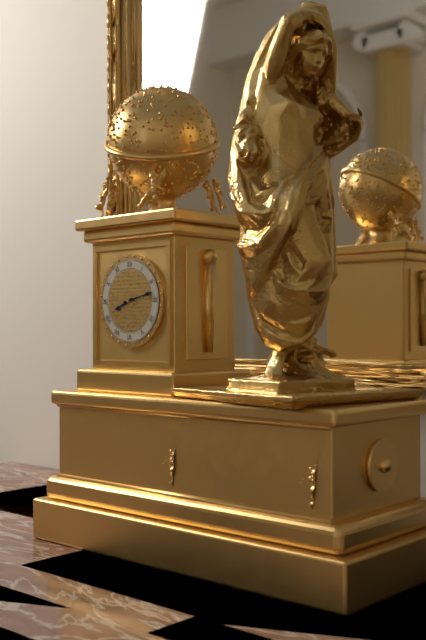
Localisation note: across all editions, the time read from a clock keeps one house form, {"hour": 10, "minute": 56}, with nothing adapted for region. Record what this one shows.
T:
{"hour": 8, "minute": 13}
